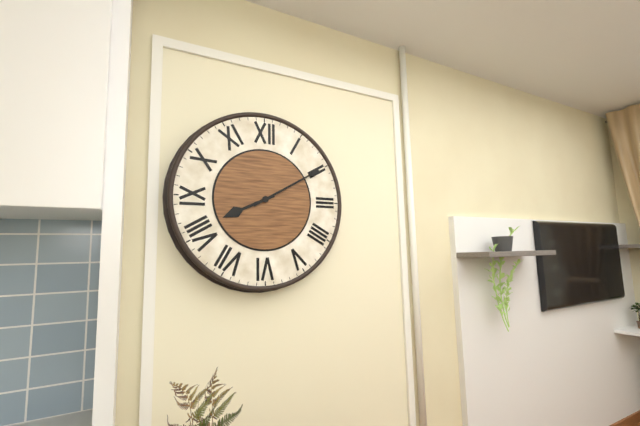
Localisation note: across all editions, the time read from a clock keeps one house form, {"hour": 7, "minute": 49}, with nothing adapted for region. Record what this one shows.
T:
{"hour": 8, "minute": 10}
